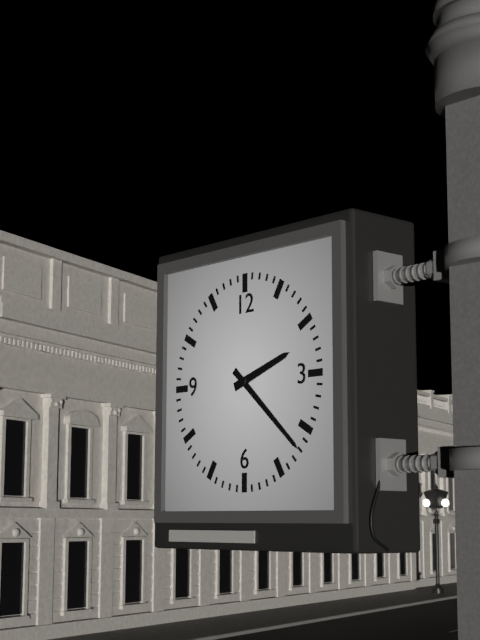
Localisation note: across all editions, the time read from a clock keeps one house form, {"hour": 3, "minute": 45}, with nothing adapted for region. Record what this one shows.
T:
{"hour": 2, "minute": 22}
